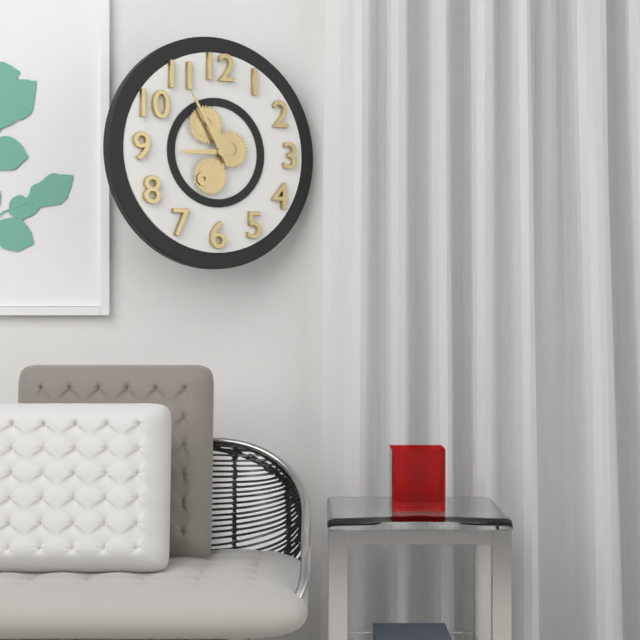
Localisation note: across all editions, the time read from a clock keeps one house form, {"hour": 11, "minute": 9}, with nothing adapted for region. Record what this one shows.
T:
{"hour": 8, "minute": 55}
